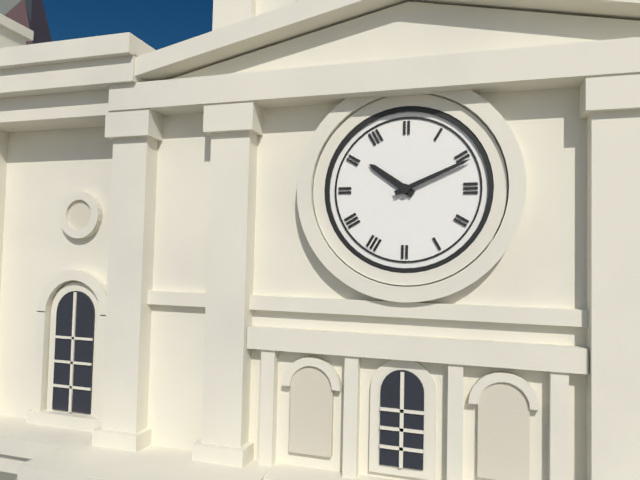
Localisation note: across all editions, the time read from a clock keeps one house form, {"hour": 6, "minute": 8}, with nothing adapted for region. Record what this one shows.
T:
{"hour": 10, "minute": 11}
